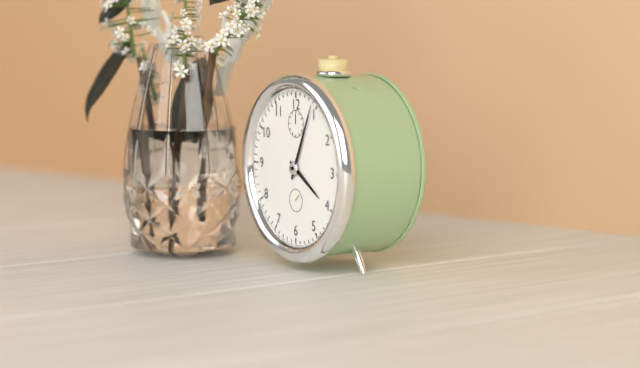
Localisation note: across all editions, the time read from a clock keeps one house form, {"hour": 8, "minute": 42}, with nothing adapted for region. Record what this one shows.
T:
{"hour": 4, "minute": 4}
